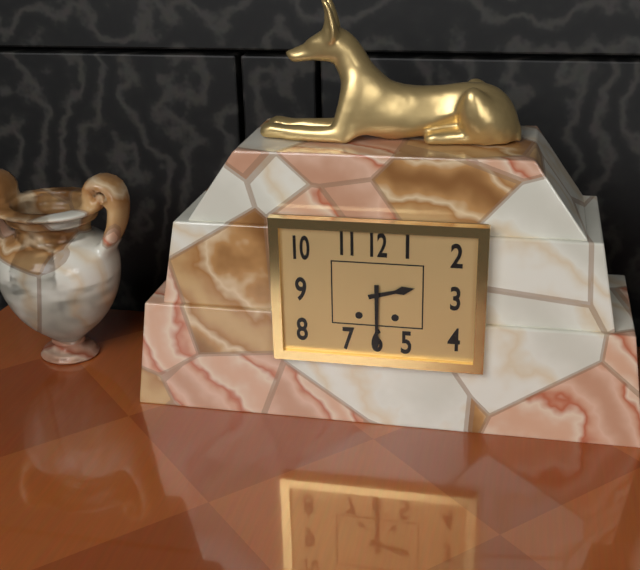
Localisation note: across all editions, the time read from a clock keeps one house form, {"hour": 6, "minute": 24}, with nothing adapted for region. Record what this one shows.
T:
{"hour": 2, "minute": 30}
